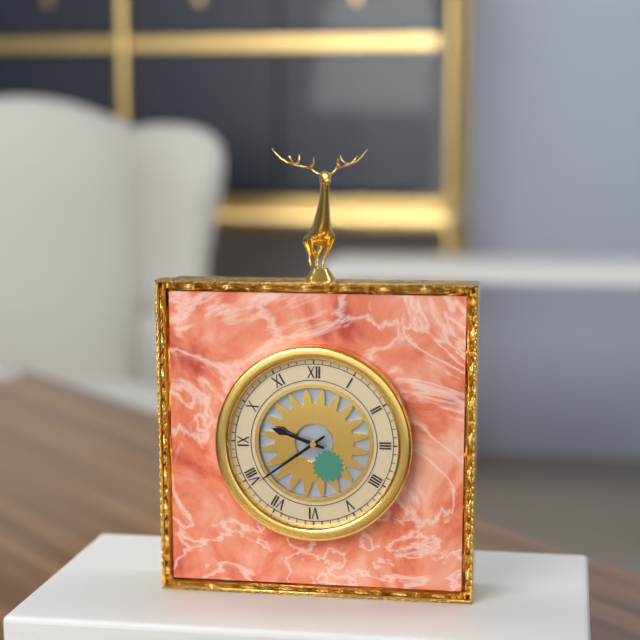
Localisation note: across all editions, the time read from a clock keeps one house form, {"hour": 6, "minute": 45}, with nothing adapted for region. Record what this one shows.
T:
{"hour": 9, "minute": 39}
